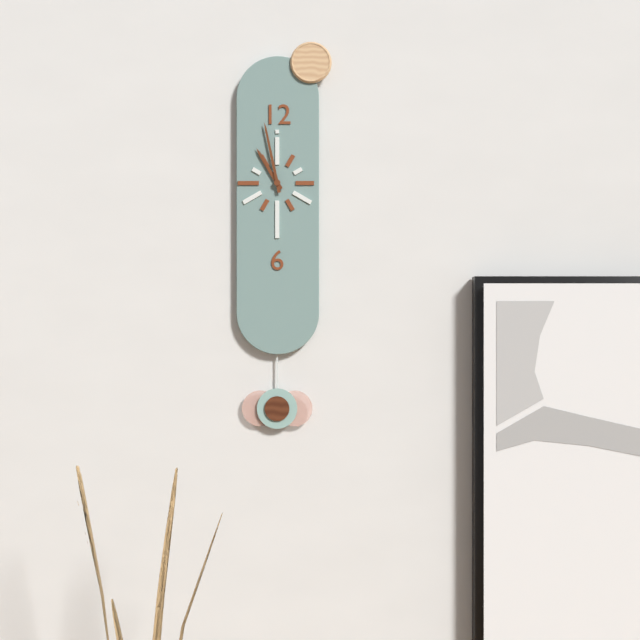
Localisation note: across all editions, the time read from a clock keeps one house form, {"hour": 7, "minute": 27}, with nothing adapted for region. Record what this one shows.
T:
{"hour": 10, "minute": 58}
